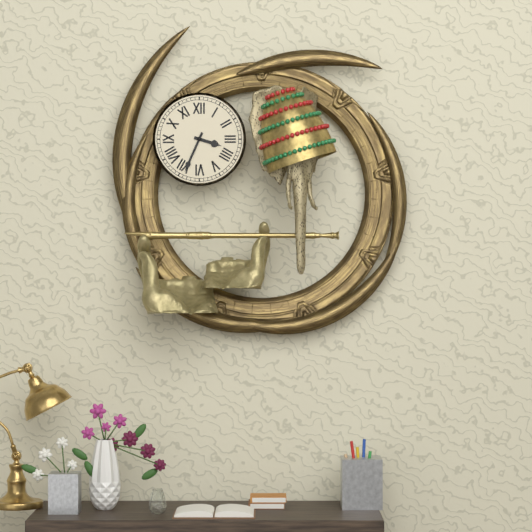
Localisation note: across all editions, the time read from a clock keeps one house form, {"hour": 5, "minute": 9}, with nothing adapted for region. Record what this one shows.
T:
{"hour": 3, "minute": 34}
